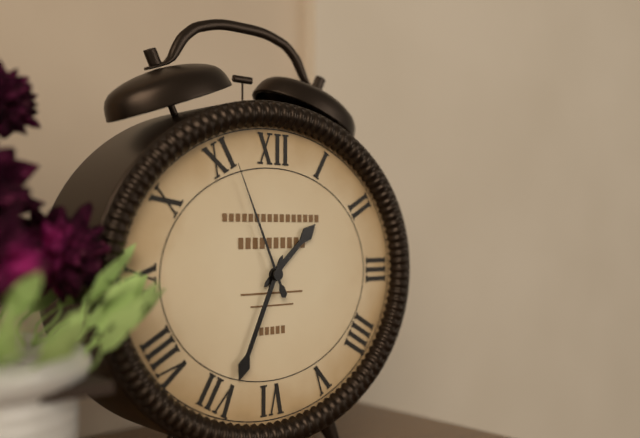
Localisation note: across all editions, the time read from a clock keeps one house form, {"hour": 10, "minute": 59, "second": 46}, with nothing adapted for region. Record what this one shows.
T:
{"hour": 1, "minute": 34, "second": 56}
